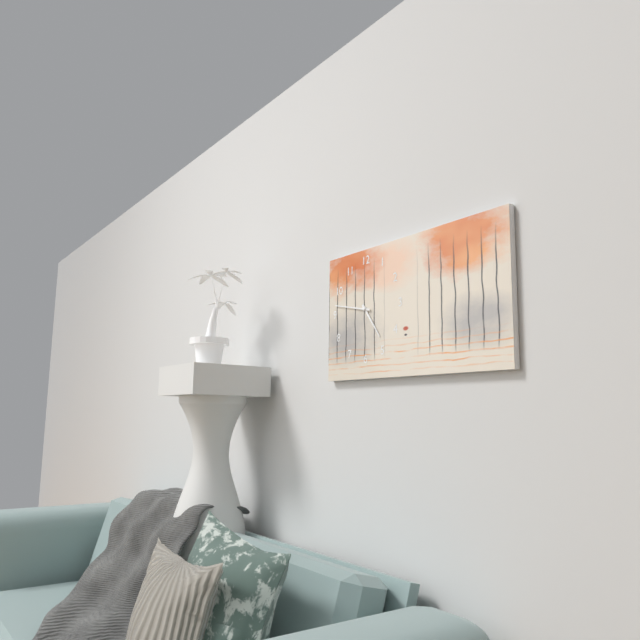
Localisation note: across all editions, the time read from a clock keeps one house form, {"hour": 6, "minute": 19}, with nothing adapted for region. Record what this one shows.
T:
{"hour": 4, "minute": 47}
